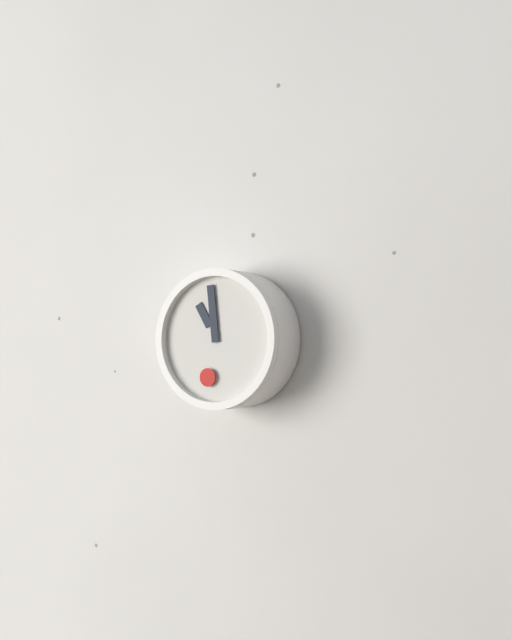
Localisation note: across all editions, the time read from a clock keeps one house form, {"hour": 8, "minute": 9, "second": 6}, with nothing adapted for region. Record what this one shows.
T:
{"hour": 10, "minute": 59, "second": 32}
